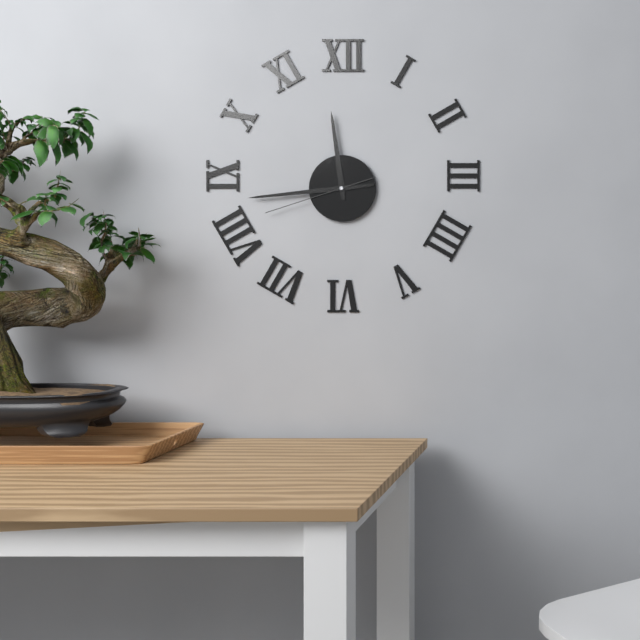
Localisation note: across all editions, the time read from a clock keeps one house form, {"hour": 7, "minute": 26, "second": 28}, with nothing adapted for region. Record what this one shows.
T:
{"hour": 11, "minute": 44, "second": 42}
